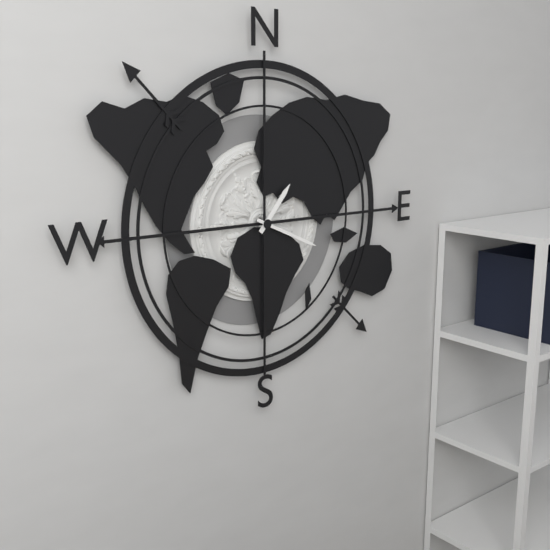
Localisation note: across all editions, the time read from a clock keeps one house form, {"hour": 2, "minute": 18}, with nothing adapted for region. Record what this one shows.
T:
{"hour": 1, "minute": 19}
